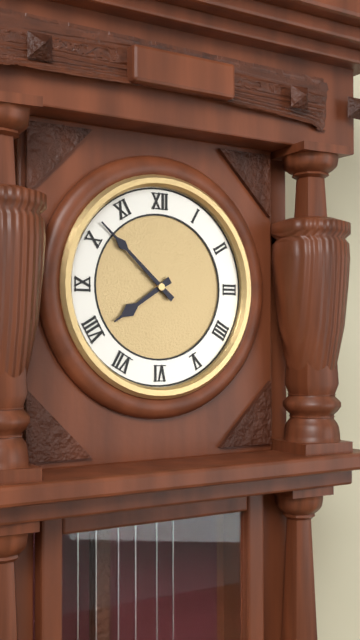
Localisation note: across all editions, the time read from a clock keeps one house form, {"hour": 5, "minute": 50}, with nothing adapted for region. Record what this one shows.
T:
{"hour": 7, "minute": 52}
